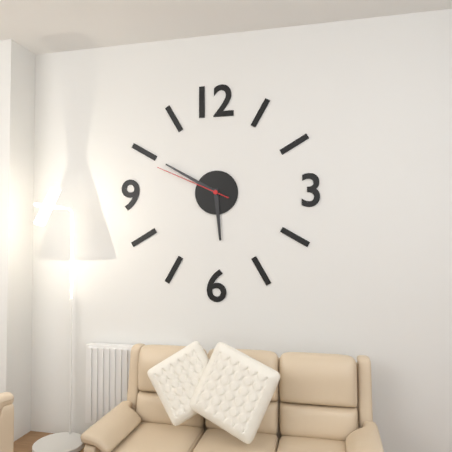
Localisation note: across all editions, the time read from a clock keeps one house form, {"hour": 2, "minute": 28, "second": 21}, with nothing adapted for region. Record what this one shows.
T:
{"hour": 5, "minute": 50, "second": 49}
